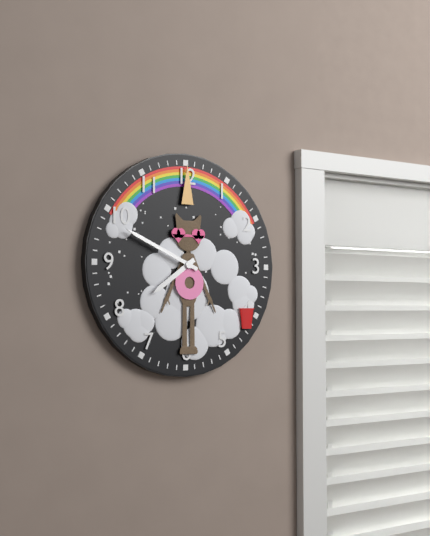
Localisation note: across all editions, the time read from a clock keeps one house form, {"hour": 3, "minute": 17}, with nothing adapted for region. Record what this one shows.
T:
{"hour": 7, "minute": 49}
